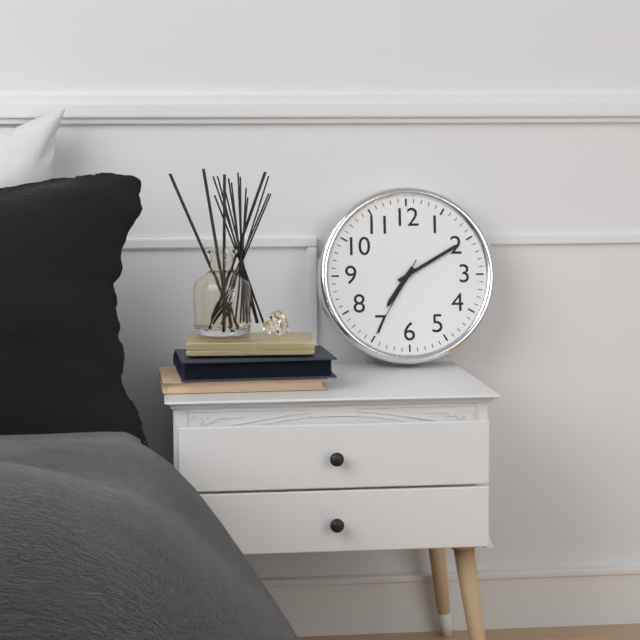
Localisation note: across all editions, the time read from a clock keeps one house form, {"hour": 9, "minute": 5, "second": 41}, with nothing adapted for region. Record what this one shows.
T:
{"hour": 7, "minute": 10, "second": 35}
